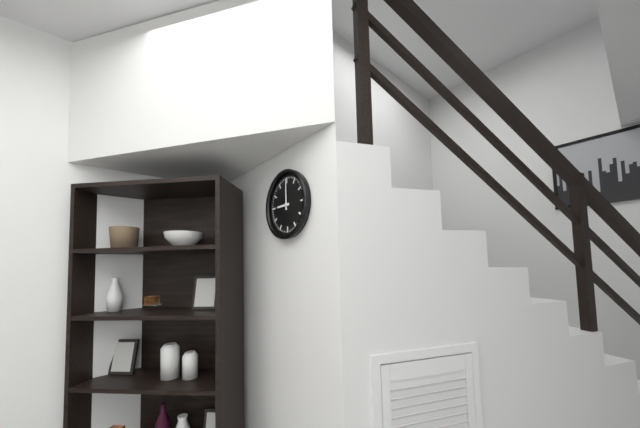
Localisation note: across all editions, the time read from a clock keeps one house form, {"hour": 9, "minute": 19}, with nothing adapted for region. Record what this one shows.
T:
{"hour": 9, "minute": 0}
